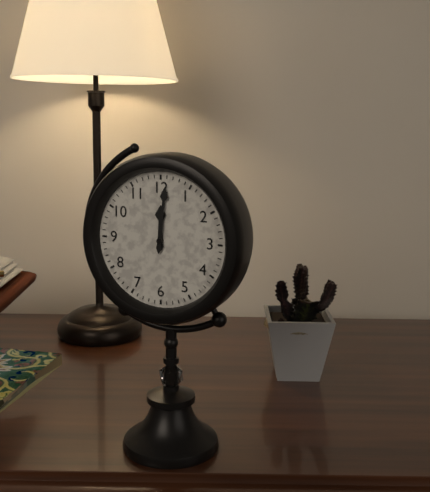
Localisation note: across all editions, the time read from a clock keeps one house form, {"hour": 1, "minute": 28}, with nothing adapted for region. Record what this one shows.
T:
{"hour": 12, "minute": 1}
